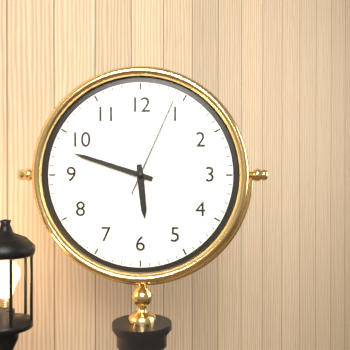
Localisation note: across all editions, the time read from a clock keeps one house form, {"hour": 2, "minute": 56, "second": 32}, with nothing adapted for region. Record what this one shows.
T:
{"hour": 5, "minute": 48, "second": 4}
